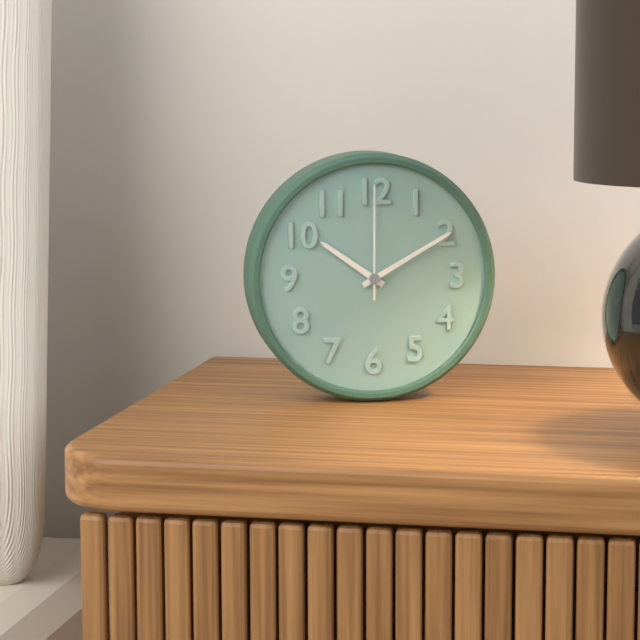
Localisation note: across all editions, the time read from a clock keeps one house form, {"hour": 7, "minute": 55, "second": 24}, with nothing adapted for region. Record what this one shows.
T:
{"hour": 10, "minute": 10, "second": 0}
